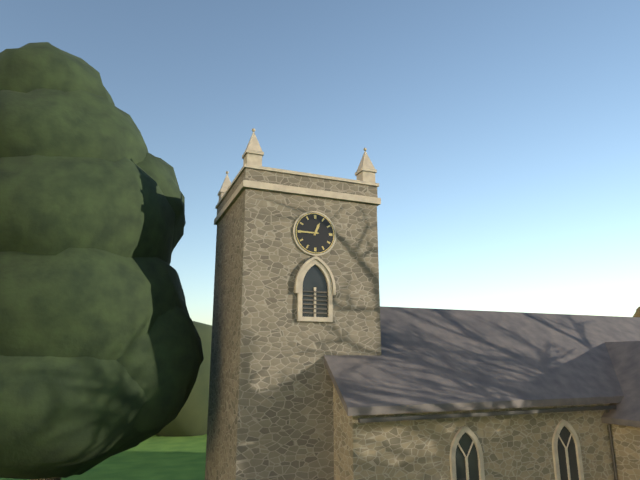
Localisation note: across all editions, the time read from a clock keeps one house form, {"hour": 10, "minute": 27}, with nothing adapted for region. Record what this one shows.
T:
{"hour": 12, "minute": 45}
